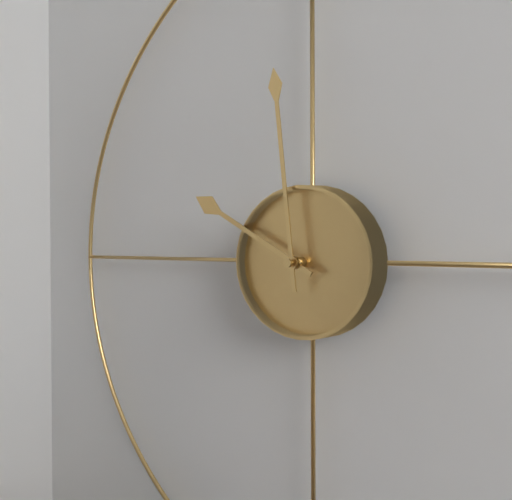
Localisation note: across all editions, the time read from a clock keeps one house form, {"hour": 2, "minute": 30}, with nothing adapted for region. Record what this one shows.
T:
{"hour": 9, "minute": 59}
